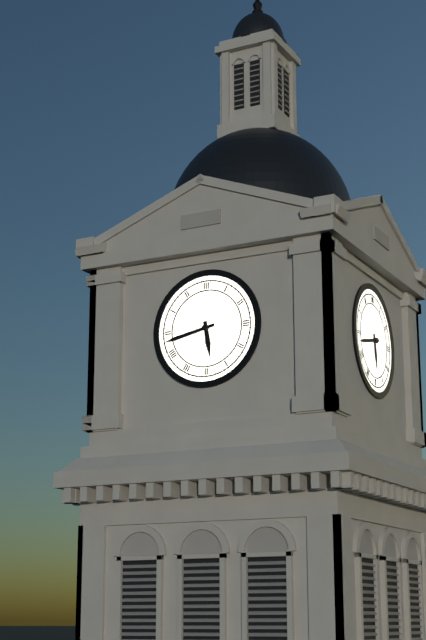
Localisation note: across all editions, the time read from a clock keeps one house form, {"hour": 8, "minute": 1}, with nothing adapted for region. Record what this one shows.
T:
{"hour": 5, "minute": 43}
